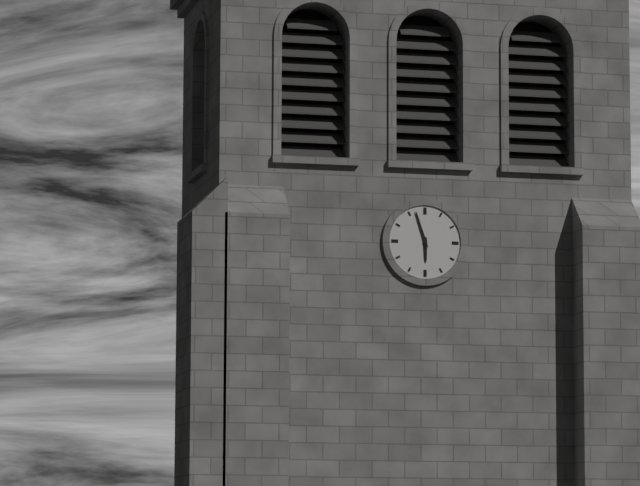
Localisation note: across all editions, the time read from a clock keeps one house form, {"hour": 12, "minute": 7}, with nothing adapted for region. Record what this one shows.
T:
{"hour": 5, "minute": 57}
